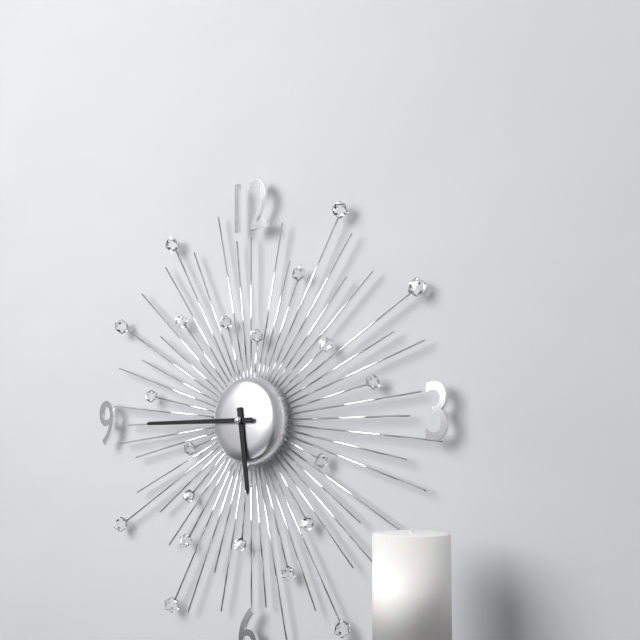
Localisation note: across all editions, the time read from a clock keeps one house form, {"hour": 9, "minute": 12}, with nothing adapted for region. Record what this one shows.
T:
{"hour": 5, "minute": 45}
